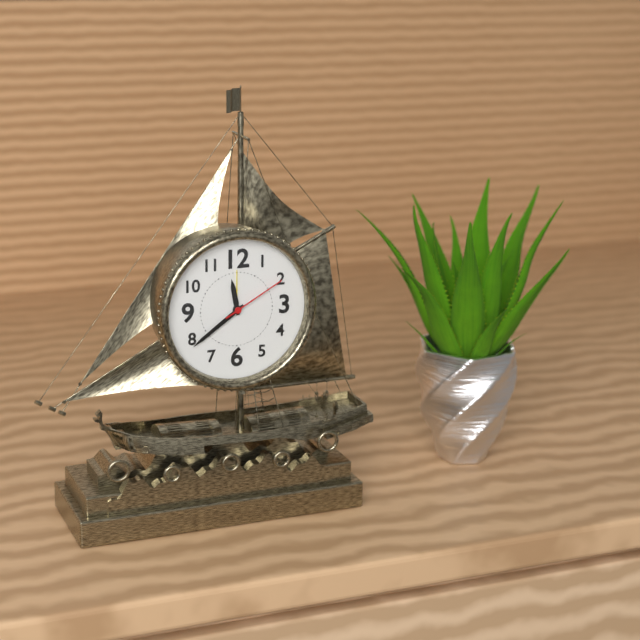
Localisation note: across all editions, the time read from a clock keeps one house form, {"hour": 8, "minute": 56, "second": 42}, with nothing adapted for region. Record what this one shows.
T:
{"hour": 11, "minute": 39, "second": 10}
